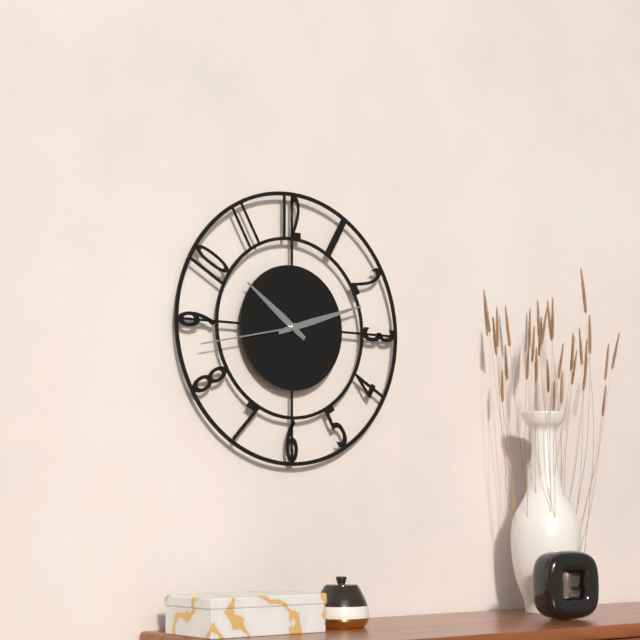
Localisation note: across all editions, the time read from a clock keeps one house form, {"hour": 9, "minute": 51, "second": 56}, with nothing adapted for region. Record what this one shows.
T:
{"hour": 10, "minute": 12, "second": 43}
